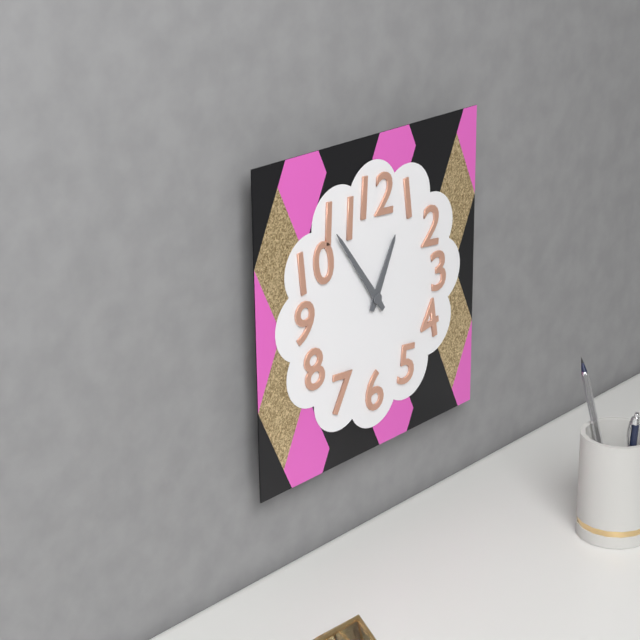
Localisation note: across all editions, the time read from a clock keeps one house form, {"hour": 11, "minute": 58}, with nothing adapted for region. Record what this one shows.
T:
{"hour": 12, "minute": 54}
